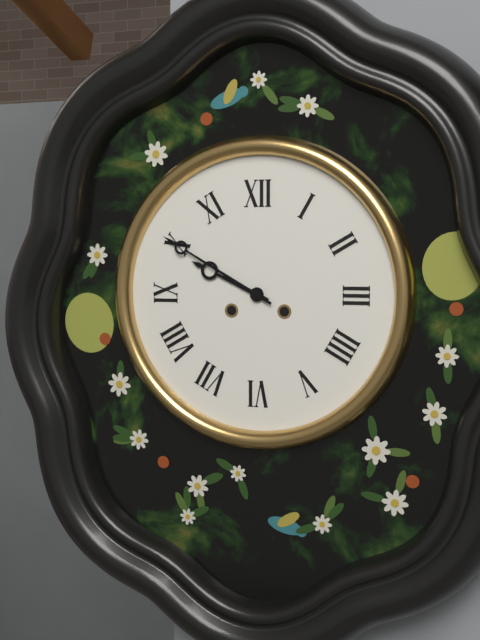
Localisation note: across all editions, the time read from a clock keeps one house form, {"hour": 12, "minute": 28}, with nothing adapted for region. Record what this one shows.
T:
{"hour": 9, "minute": 50}
